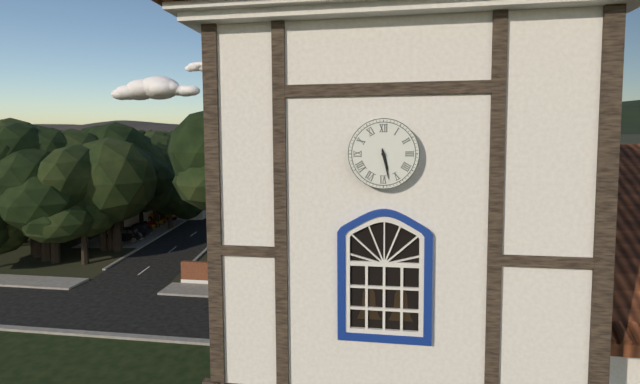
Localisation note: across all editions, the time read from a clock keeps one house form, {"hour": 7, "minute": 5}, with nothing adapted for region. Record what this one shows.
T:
{"hour": 5, "minute": 28}
